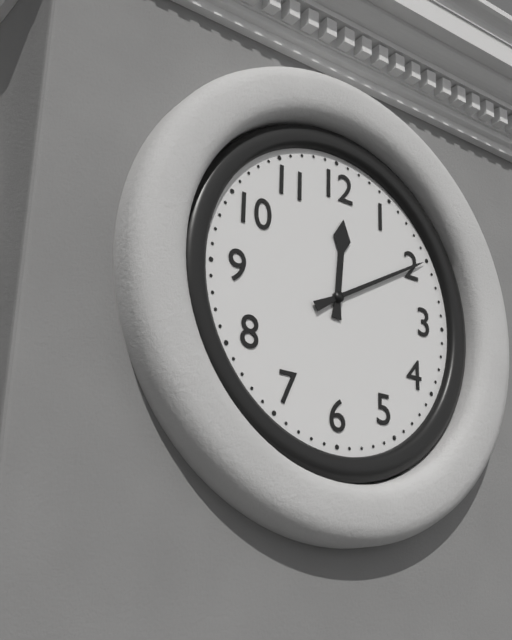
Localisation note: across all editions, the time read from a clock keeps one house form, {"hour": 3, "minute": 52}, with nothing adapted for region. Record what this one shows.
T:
{"hour": 12, "minute": 10}
